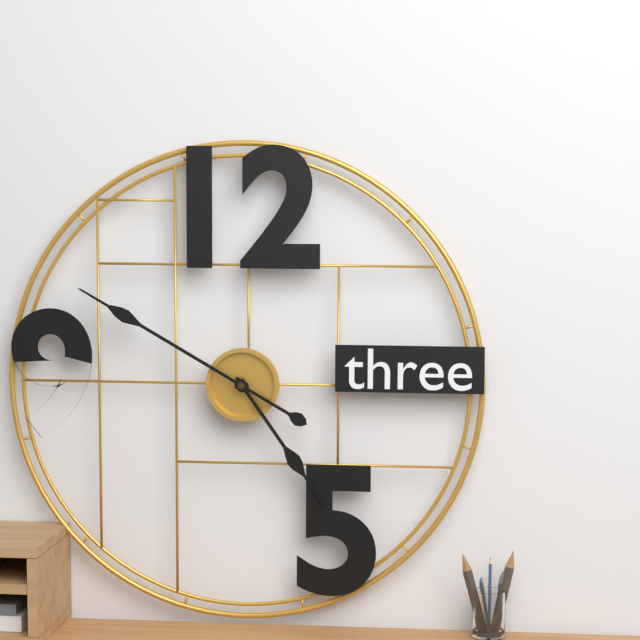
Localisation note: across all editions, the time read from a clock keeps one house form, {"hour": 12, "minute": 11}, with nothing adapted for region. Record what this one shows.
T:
{"hour": 4, "minute": 50}
